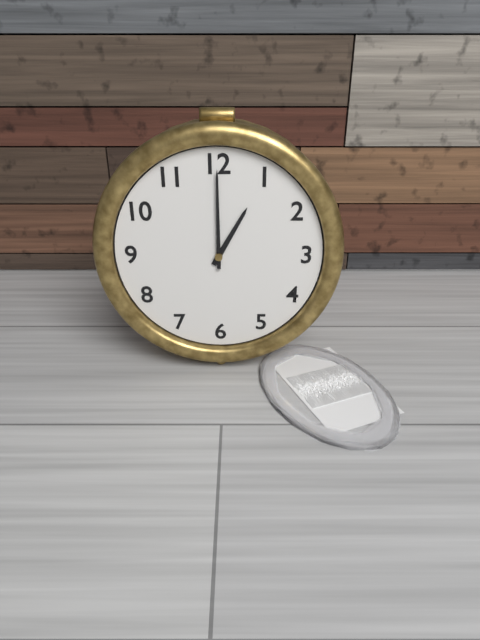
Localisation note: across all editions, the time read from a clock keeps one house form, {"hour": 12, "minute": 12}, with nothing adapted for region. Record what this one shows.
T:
{"hour": 1, "minute": 0}
